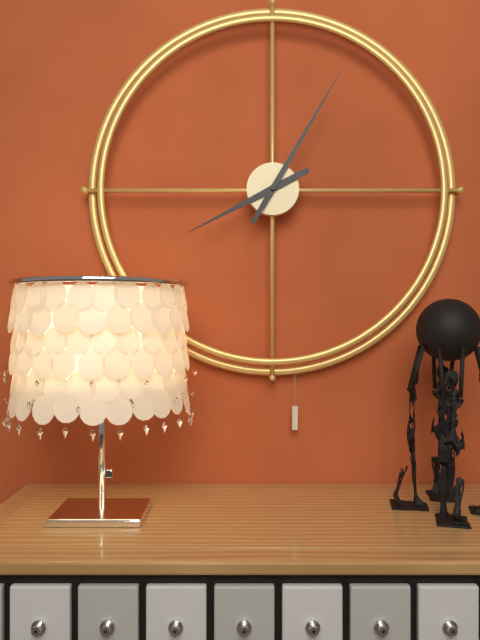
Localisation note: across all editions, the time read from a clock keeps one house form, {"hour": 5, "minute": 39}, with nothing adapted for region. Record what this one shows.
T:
{"hour": 8, "minute": 5}
